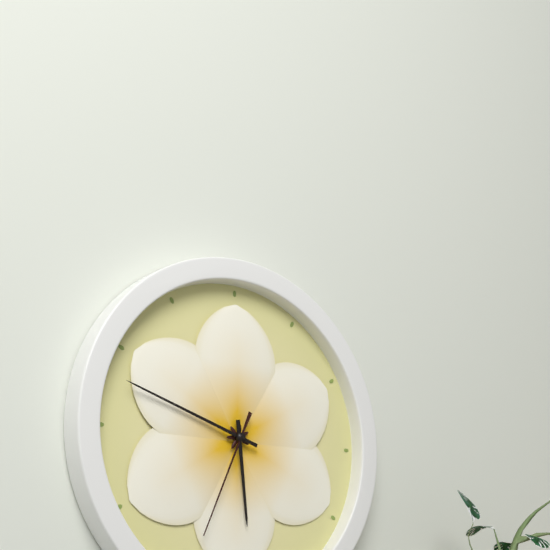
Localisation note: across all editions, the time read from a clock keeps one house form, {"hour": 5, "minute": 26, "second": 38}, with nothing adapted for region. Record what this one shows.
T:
{"hour": 5, "minute": 48, "second": 34}
